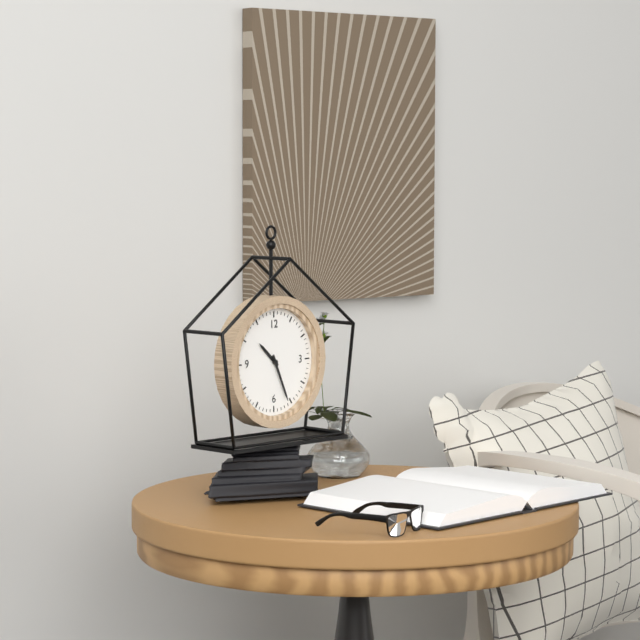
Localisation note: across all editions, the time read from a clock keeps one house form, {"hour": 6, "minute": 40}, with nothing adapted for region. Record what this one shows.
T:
{"hour": 10, "minute": 26}
